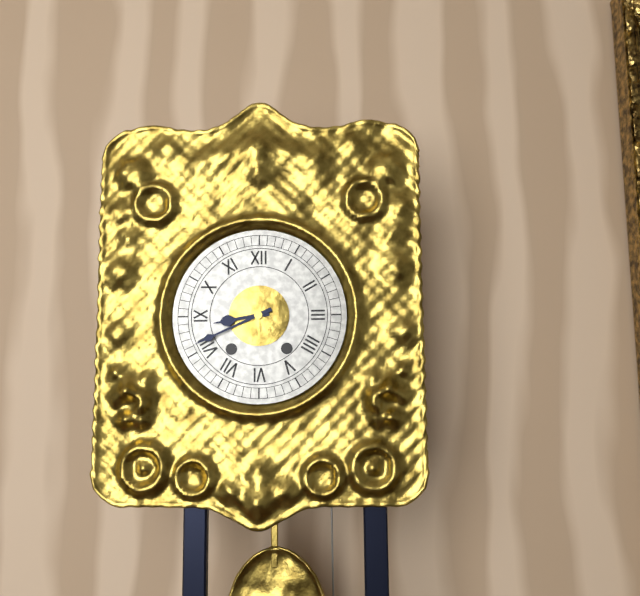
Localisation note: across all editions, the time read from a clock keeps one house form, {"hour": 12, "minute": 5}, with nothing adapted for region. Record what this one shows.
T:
{"hour": 8, "minute": 41}
